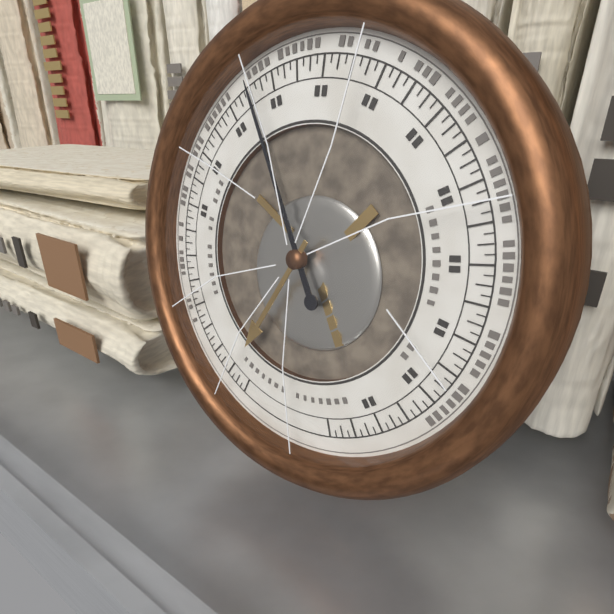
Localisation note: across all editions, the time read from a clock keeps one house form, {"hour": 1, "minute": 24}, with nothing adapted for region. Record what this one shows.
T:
{"hour": 6, "minute": 55}
